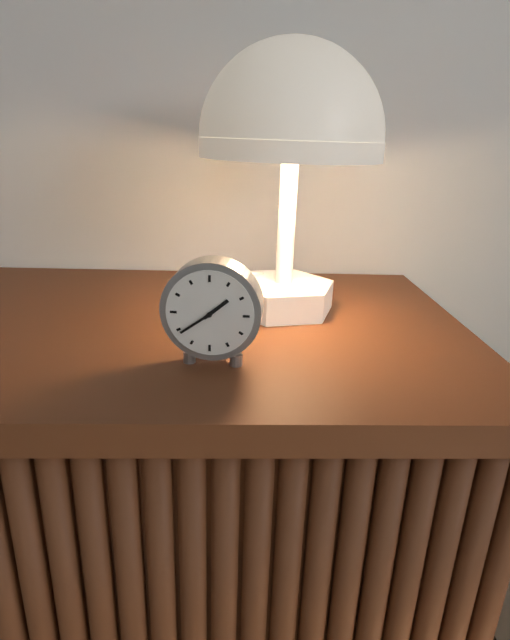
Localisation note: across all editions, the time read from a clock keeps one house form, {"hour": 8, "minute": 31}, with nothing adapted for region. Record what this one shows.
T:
{"hour": 1, "minute": 39}
